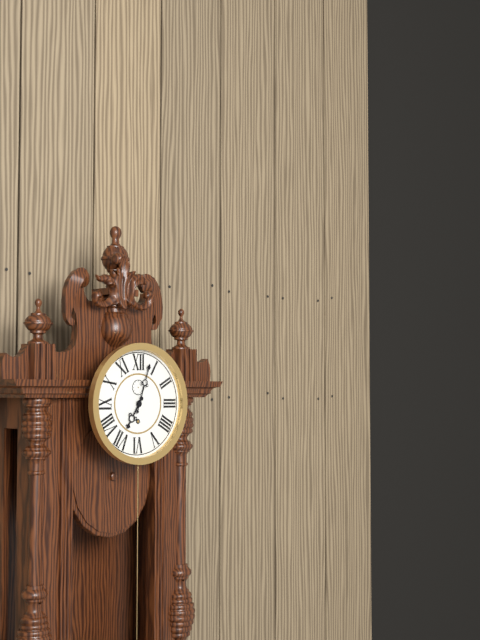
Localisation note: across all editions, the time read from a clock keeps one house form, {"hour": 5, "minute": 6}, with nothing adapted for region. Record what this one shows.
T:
{"hour": 7, "minute": 3}
